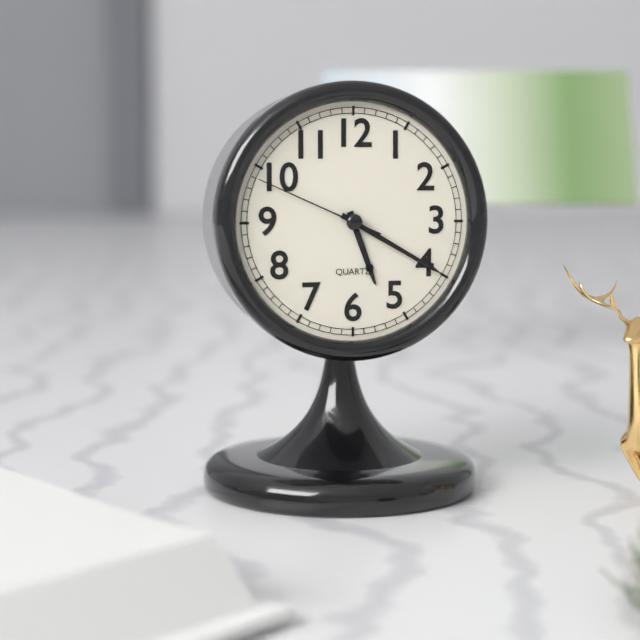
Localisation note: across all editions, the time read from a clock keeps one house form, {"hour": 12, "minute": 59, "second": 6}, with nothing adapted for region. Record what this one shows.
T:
{"hour": 5, "minute": 20, "second": 49}
